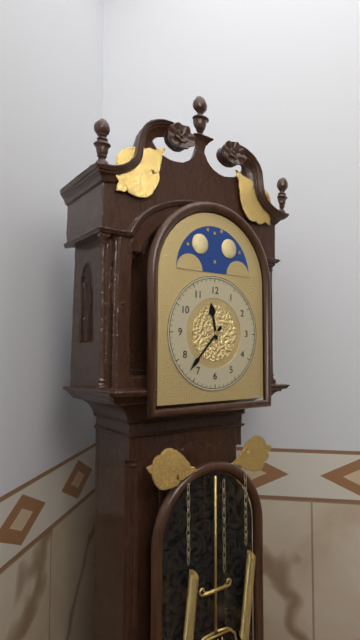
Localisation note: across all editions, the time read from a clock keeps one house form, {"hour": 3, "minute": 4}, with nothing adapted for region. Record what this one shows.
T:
{"hour": 11, "minute": 37}
